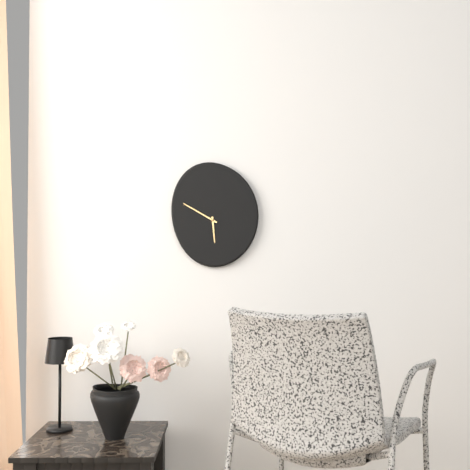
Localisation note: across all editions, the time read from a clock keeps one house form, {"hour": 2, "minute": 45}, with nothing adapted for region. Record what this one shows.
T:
{"hour": 5, "minute": 50}
